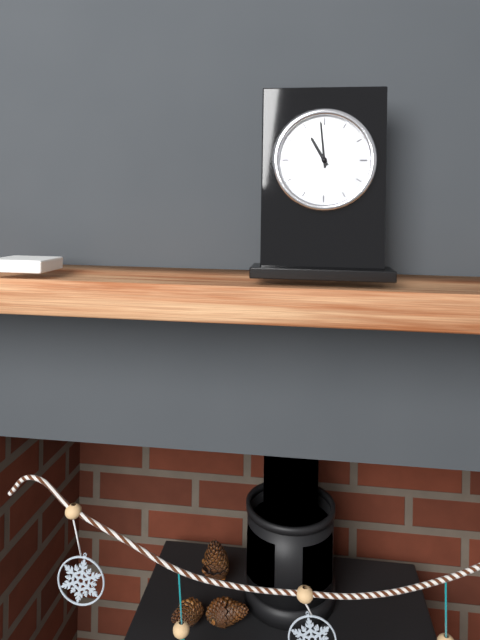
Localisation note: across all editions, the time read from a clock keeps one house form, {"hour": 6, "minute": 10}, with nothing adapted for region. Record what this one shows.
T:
{"hour": 10, "minute": 59}
